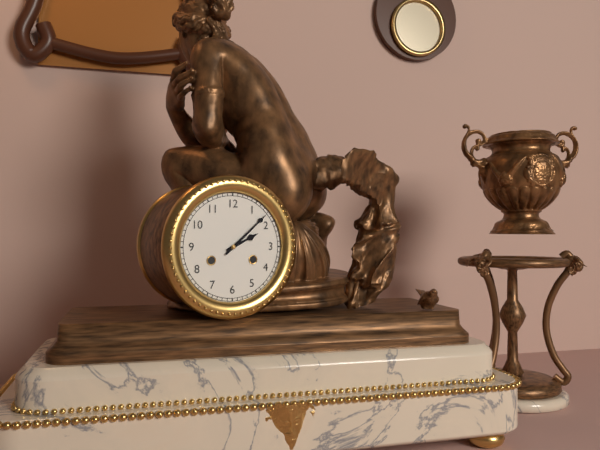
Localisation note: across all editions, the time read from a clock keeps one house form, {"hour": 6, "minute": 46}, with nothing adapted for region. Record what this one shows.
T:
{"hour": 2, "minute": 8}
